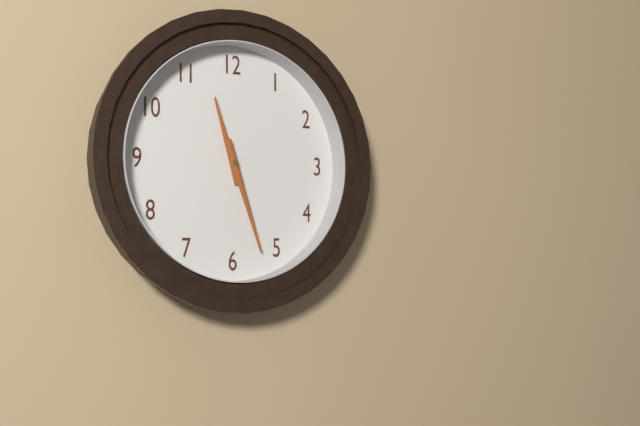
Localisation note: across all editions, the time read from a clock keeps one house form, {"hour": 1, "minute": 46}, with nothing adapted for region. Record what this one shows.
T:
{"hour": 11, "minute": 27}
